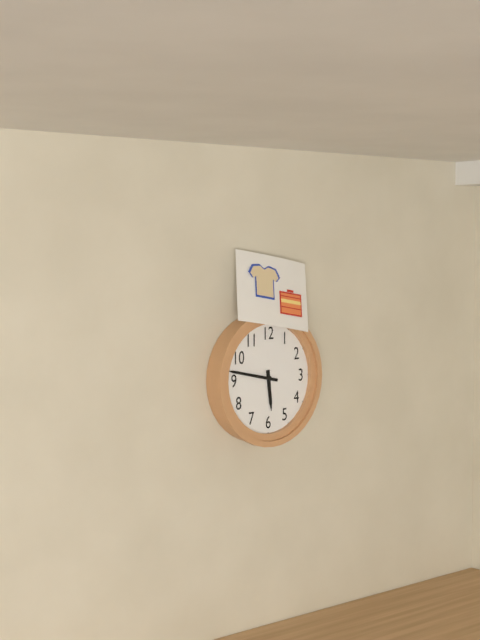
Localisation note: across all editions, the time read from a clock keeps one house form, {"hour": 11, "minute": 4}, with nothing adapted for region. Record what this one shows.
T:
{"hour": 5, "minute": 47}
